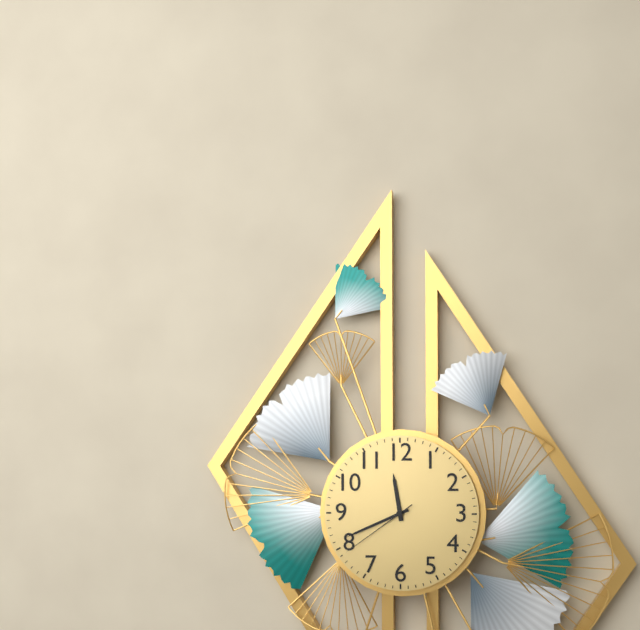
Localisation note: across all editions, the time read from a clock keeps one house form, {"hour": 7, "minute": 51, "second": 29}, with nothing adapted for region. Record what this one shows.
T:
{"hour": 11, "minute": 41, "second": 39}
